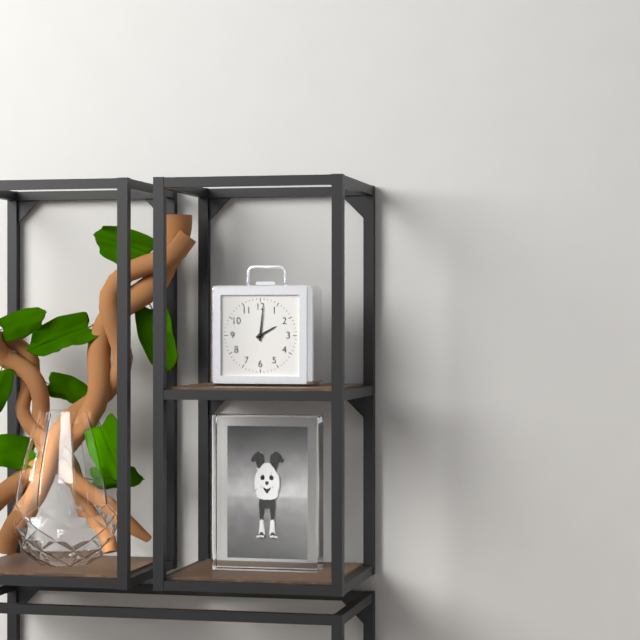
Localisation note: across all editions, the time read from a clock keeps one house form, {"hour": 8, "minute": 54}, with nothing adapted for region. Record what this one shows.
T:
{"hour": 2, "minute": 1}
